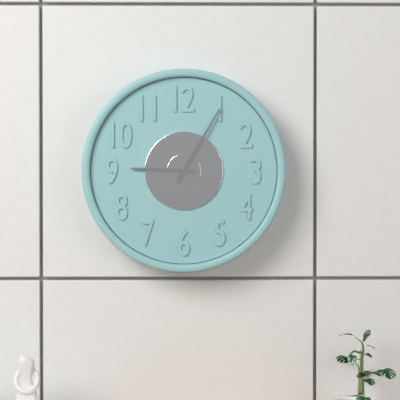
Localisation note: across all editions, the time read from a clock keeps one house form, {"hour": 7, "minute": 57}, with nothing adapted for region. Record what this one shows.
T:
{"hour": 9, "minute": 5}
